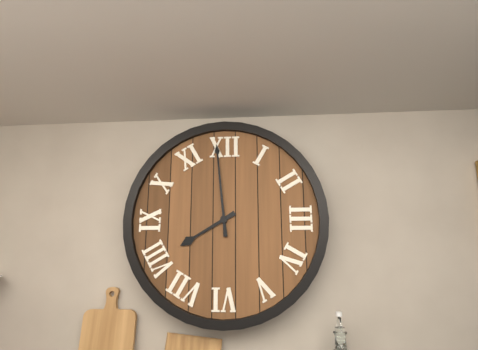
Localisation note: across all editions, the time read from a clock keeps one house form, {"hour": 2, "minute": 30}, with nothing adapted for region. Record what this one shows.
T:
{"hour": 7, "minute": 59}
